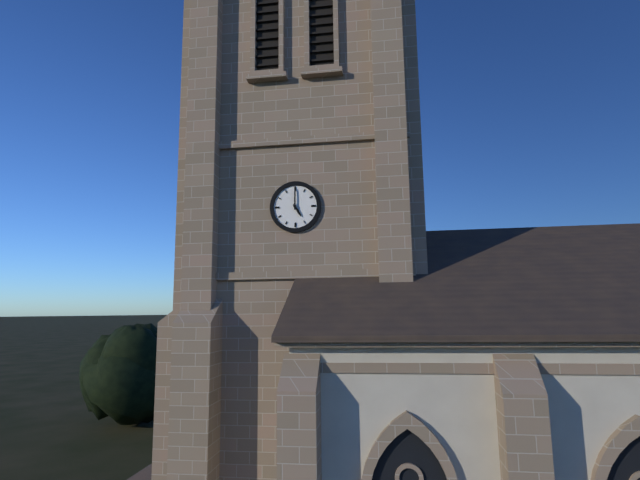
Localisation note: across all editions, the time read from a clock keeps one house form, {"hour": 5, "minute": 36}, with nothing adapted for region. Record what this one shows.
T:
{"hour": 5, "minute": 0}
